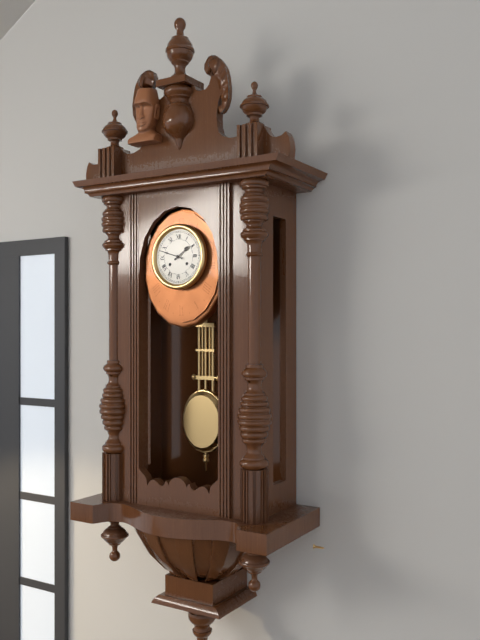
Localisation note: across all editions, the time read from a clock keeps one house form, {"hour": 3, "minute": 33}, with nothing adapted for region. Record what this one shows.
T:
{"hour": 1, "minute": 48}
